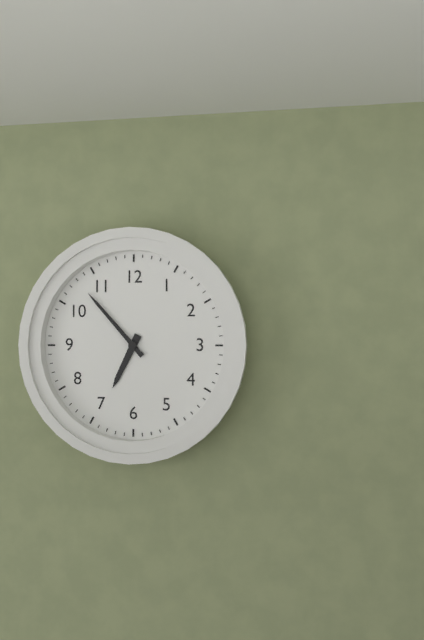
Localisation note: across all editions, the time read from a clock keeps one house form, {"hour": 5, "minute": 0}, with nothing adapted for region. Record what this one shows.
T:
{"hour": 6, "minute": 53}
